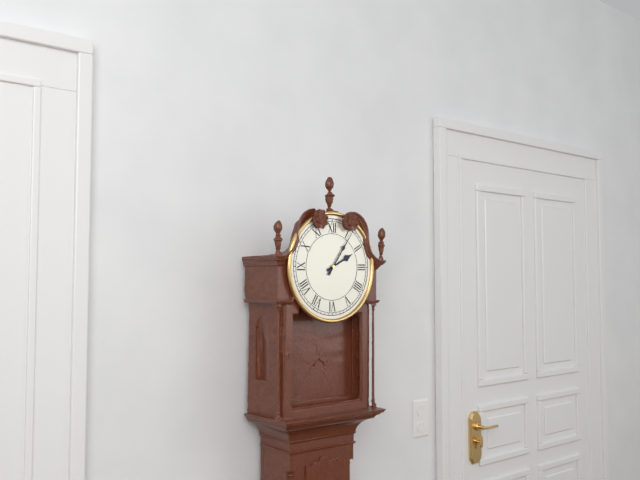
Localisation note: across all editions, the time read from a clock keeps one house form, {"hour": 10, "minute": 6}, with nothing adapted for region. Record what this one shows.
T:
{"hour": 2, "minute": 6}
